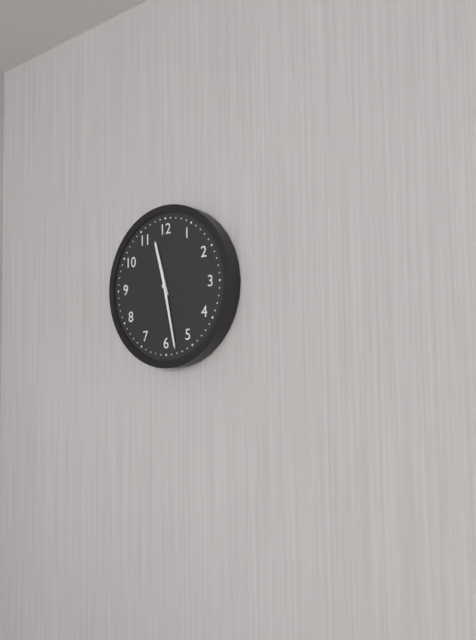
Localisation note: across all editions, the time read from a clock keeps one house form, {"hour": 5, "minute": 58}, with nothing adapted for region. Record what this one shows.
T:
{"hour": 11, "minute": 28}
